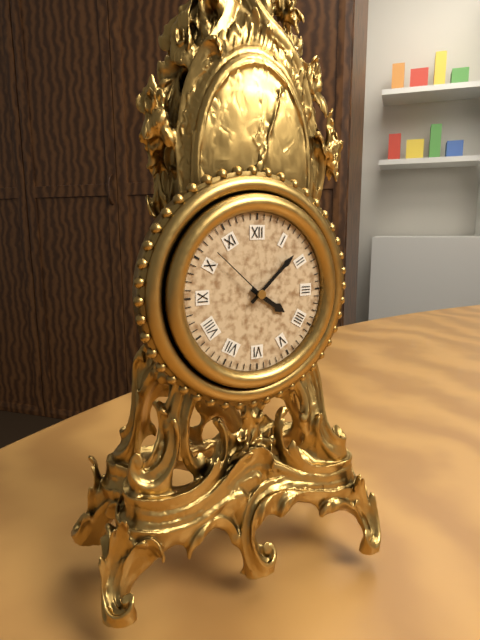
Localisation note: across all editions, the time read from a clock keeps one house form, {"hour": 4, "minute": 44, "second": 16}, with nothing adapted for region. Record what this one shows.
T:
{"hour": 4, "minute": 8, "second": 52}
